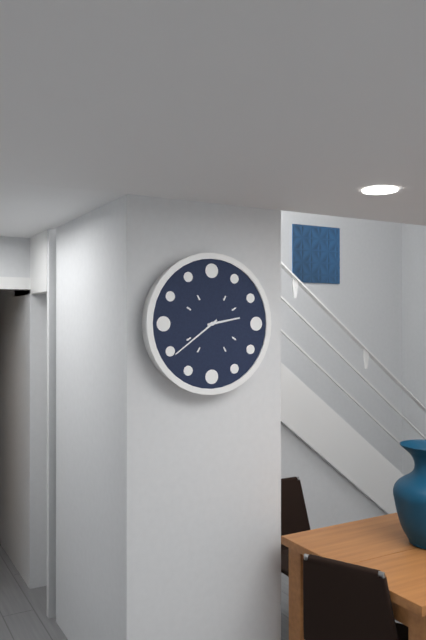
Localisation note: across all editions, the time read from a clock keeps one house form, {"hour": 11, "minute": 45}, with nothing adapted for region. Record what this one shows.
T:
{"hour": 2, "minute": 39}
